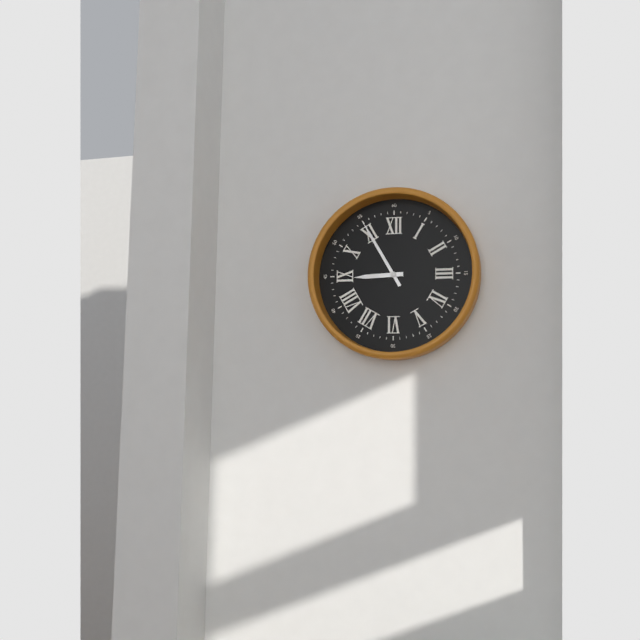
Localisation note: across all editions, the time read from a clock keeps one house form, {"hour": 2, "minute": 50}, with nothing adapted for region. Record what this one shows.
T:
{"hour": 8, "minute": 55}
